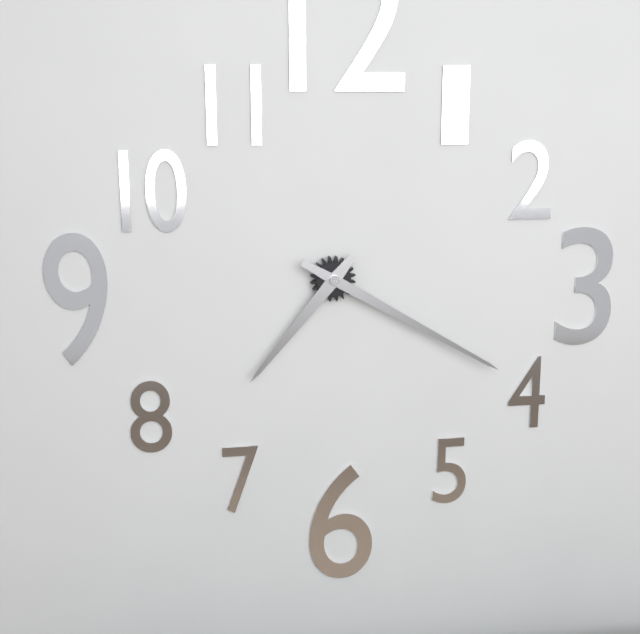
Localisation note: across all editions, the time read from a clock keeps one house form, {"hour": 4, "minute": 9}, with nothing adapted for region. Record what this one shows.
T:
{"hour": 7, "minute": 20}
